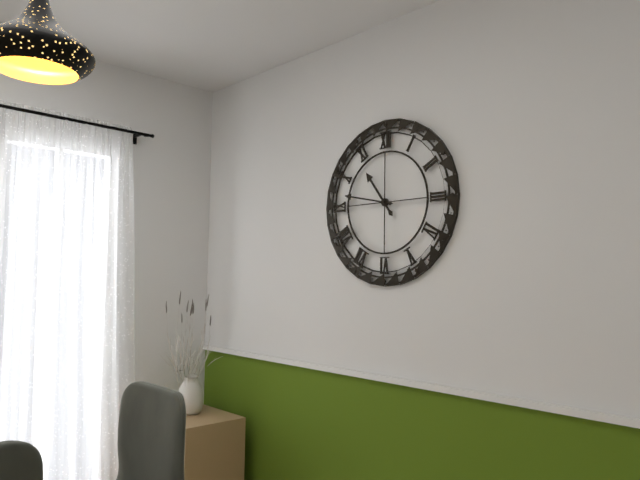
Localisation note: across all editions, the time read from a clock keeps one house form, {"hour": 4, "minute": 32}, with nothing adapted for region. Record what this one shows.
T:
{"hour": 10, "minute": 47}
